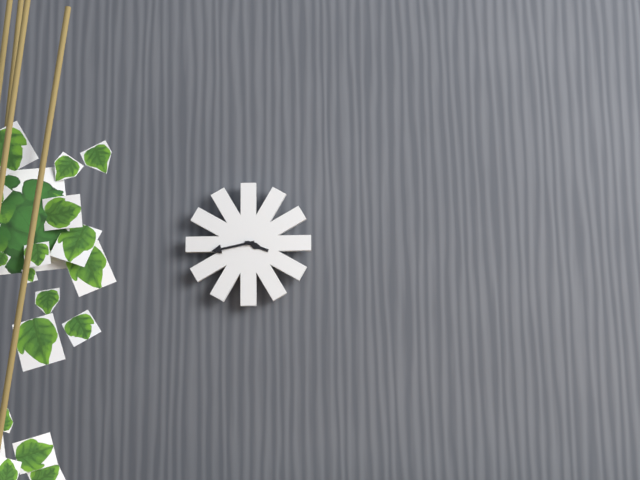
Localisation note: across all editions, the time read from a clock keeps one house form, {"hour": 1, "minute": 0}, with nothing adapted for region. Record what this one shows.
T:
{"hour": 3, "minute": 43}
